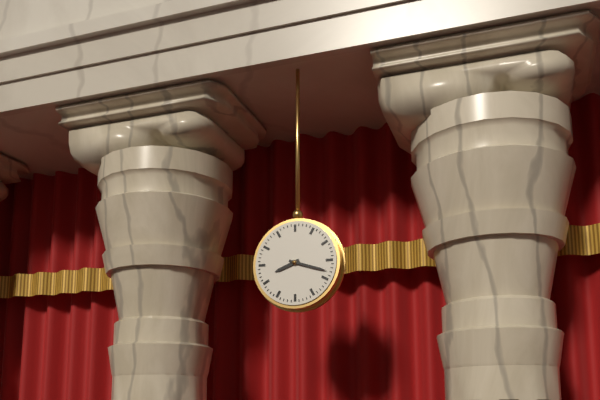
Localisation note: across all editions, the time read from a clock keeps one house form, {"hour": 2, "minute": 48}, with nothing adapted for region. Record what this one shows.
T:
{"hour": 8, "minute": 18}
